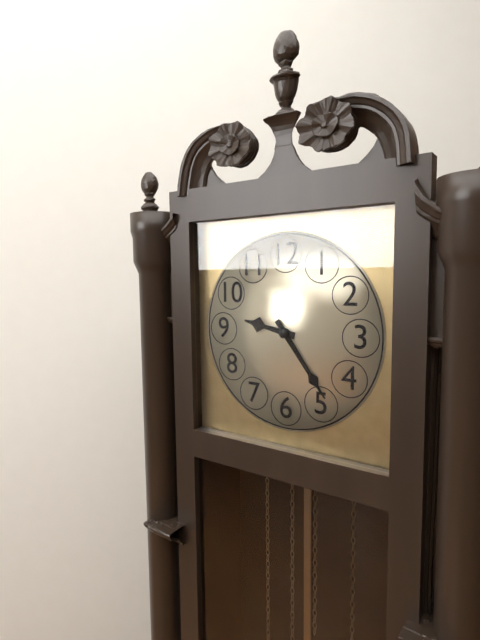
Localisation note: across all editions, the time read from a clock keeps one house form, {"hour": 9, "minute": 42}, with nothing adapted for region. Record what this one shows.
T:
{"hour": 9, "minute": 24}
